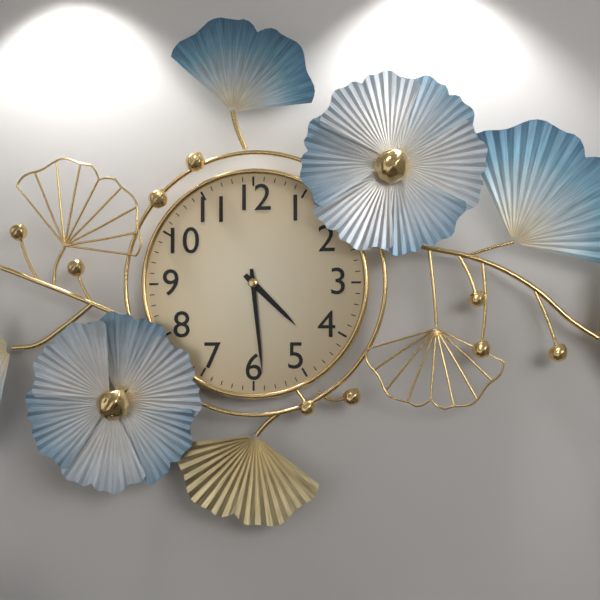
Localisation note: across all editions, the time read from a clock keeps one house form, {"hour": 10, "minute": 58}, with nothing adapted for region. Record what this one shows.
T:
{"hour": 4, "minute": 29}
